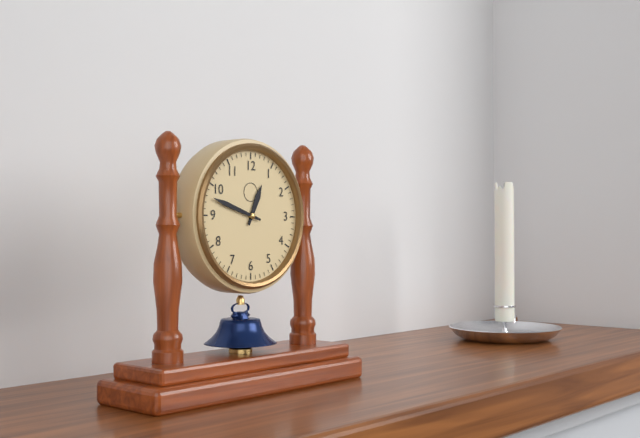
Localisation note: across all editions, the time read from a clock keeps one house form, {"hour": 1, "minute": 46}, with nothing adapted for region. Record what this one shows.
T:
{"hour": 12, "minute": 48}
